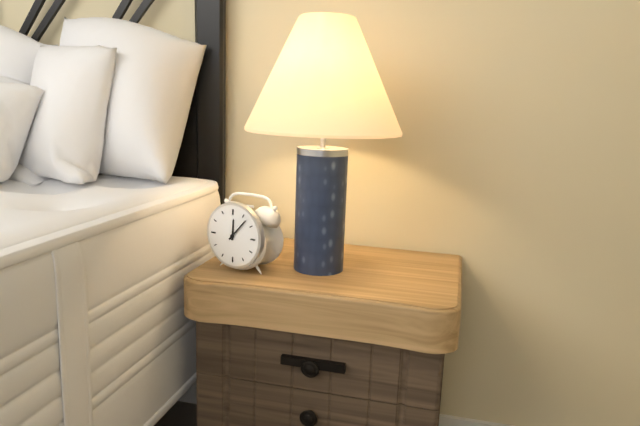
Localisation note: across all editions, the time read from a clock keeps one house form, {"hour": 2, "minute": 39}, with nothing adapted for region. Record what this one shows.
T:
{"hour": 12, "minute": 7}
